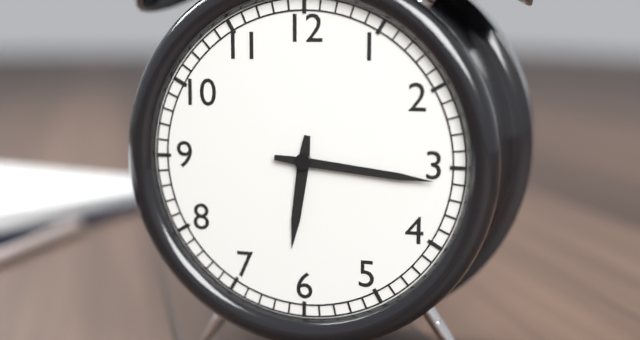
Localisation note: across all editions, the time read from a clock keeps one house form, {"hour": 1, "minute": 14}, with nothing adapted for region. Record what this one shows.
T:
{"hour": 6, "minute": 16}
